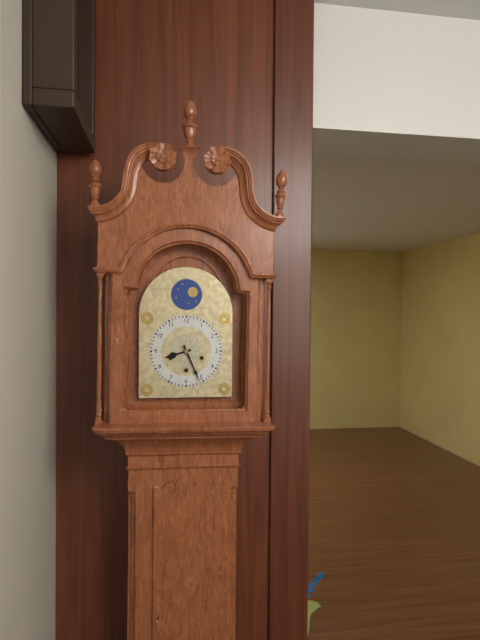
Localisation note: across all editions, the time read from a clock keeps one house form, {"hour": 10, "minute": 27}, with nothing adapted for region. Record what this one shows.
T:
{"hour": 8, "minute": 26}
